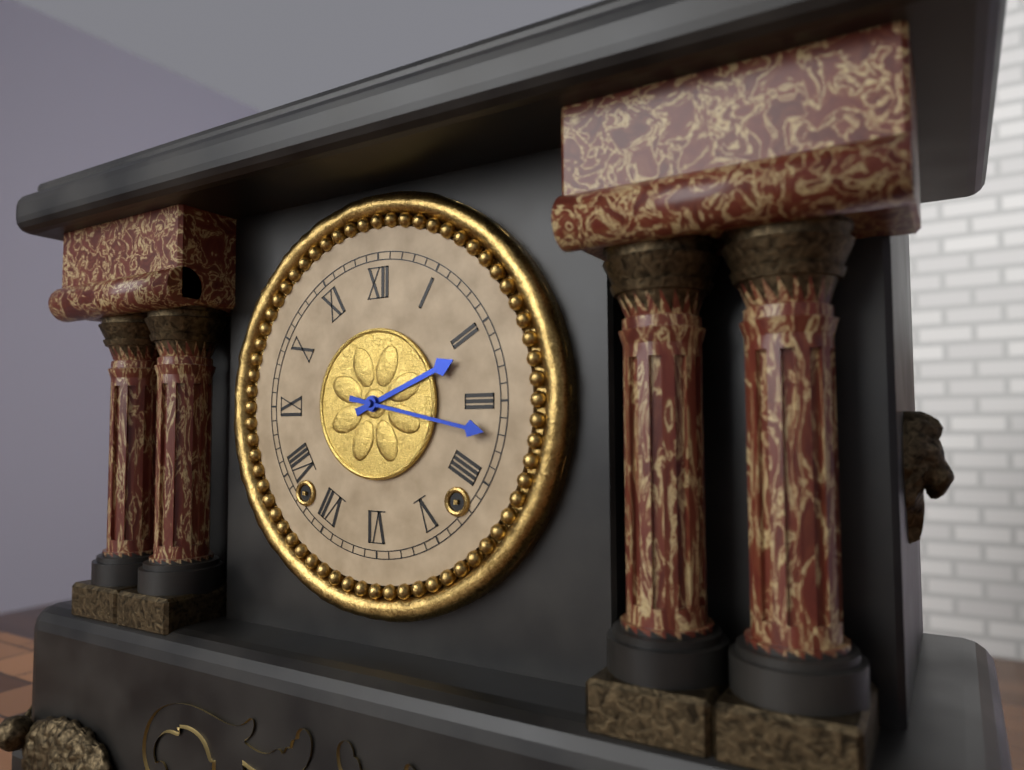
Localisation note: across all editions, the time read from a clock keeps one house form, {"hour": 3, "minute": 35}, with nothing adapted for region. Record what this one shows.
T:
{"hour": 2, "minute": 17}
